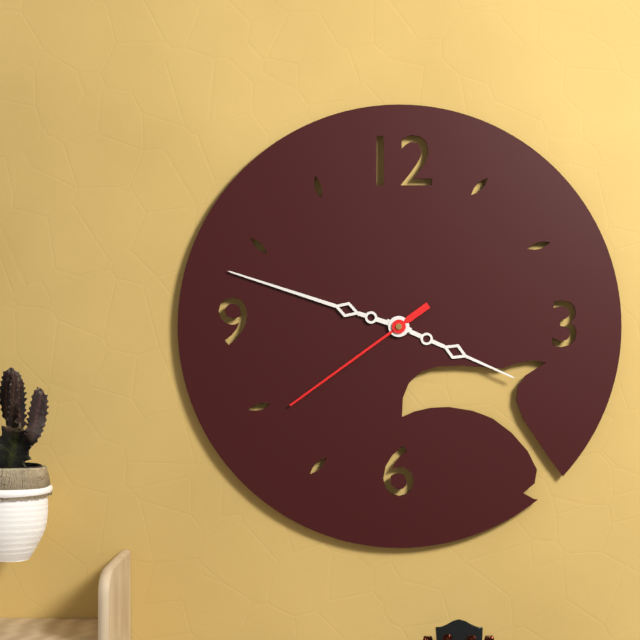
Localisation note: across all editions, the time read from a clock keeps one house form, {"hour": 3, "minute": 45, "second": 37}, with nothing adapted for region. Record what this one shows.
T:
{"hour": 3, "minute": 48, "second": 39}
